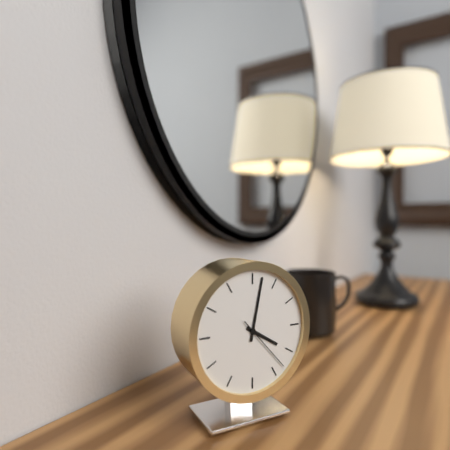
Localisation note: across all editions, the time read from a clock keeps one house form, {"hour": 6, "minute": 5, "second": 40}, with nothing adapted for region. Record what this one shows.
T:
{"hour": 4, "minute": 2, "second": 23}
